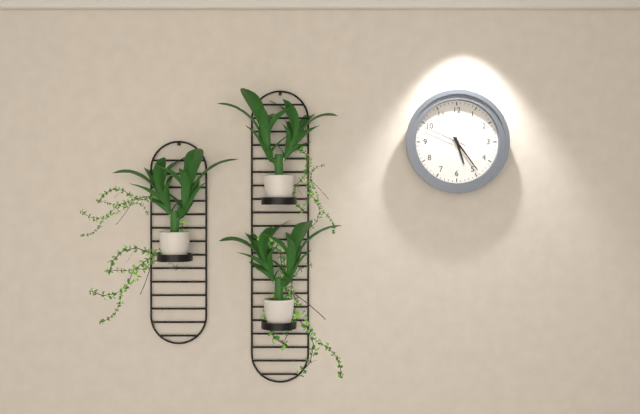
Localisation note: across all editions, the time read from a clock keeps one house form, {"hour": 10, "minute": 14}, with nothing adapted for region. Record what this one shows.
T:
{"hour": 5, "minute": 24}
